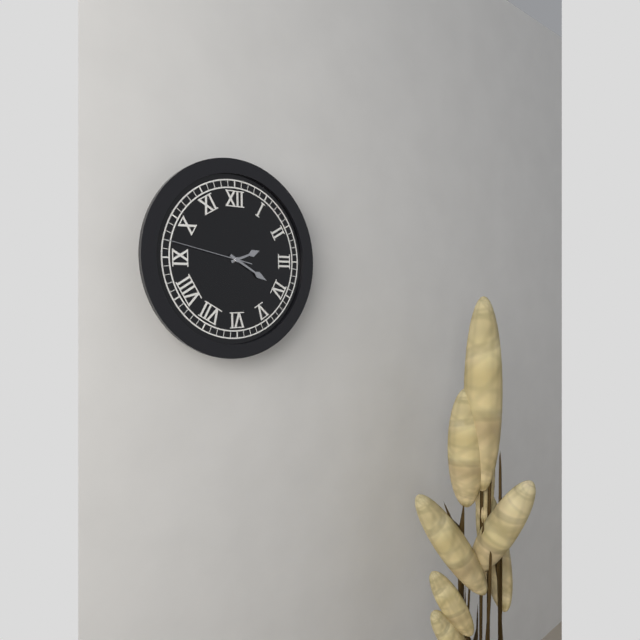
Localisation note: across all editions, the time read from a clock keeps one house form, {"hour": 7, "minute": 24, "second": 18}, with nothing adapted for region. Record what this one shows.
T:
{"hour": 2, "minute": 20, "second": 47}
